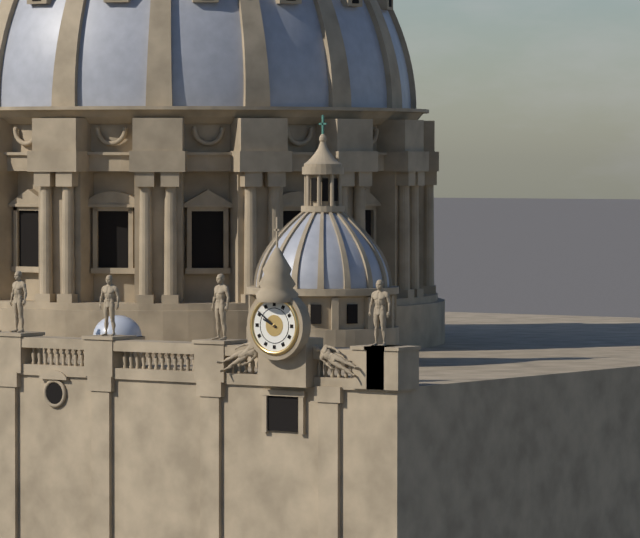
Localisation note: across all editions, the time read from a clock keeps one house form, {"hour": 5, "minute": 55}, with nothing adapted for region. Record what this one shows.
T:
{"hour": 9, "minute": 51}
